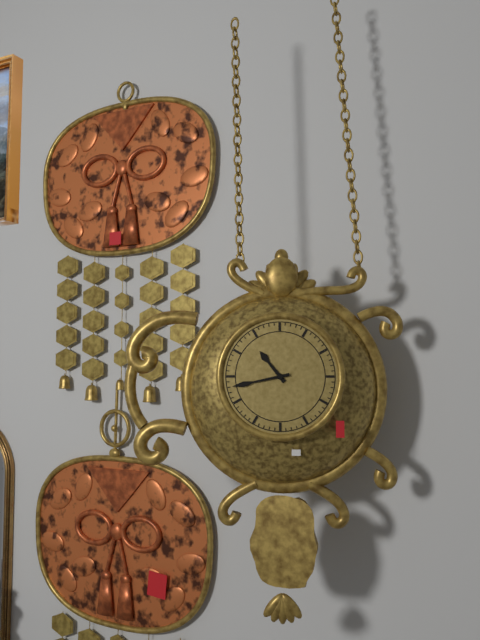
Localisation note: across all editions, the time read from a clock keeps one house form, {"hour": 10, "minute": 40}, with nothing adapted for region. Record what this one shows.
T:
{"hour": 10, "minute": 43}
